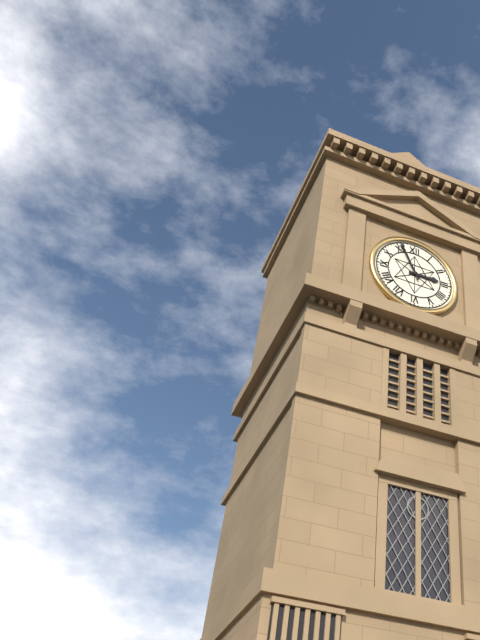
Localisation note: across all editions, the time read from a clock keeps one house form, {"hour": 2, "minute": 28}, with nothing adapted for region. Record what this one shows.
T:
{"hour": 2, "minute": 56}
